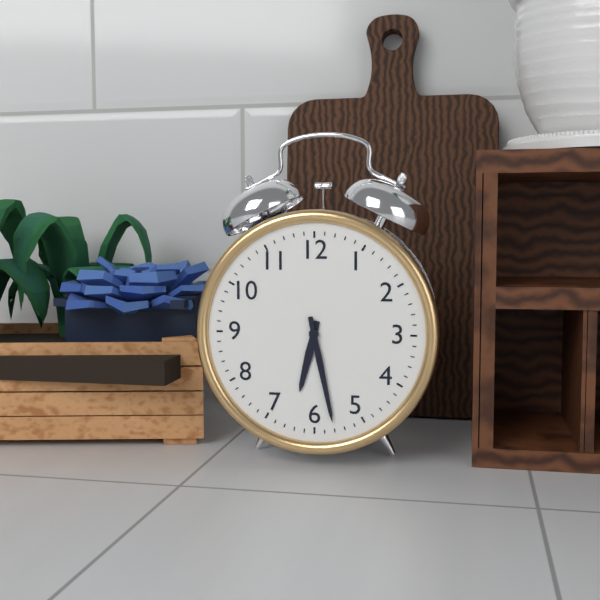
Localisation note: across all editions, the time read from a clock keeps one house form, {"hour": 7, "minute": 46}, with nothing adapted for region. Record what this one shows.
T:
{"hour": 6, "minute": 28}
